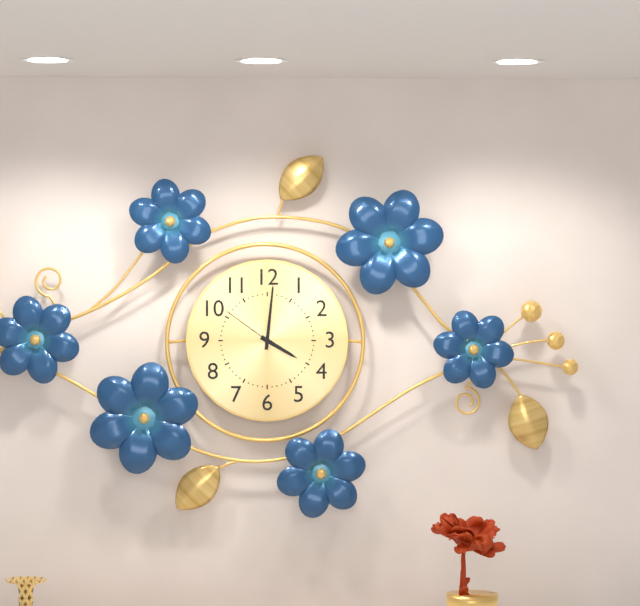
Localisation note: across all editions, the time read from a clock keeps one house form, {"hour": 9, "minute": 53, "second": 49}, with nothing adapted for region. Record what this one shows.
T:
{"hour": 4, "minute": 1, "second": 51}
